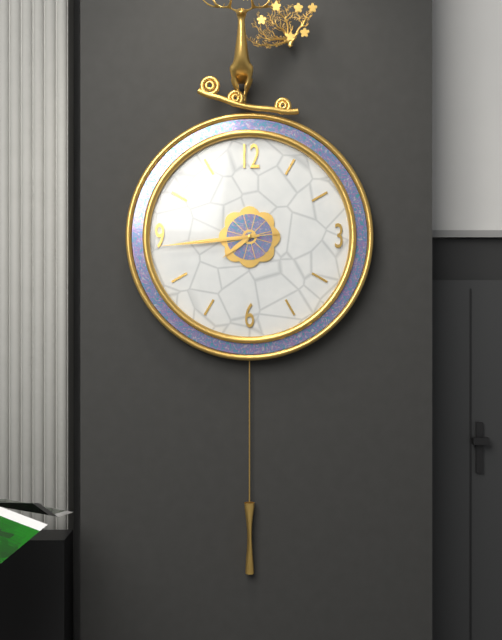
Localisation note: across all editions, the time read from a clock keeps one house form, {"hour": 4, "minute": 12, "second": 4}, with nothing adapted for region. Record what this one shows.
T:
{"hour": 7, "minute": 44, "second": 44}
